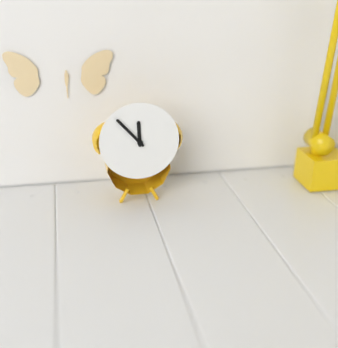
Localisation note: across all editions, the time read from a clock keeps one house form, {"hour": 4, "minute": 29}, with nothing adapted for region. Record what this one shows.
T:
{"hour": 11, "minute": 53}
